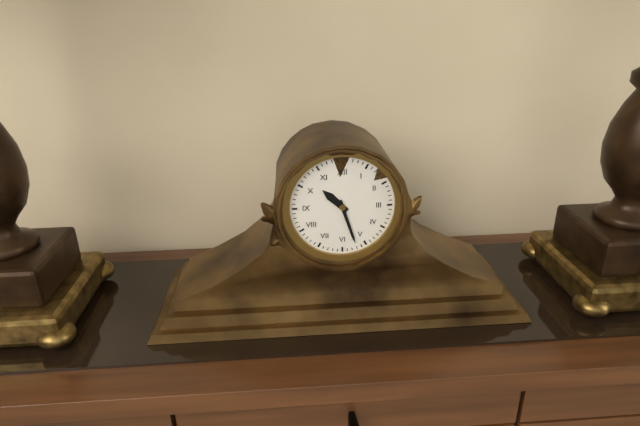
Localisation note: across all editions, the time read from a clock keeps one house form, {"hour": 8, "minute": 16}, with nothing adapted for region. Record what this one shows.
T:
{"hour": 10, "minute": 27}
